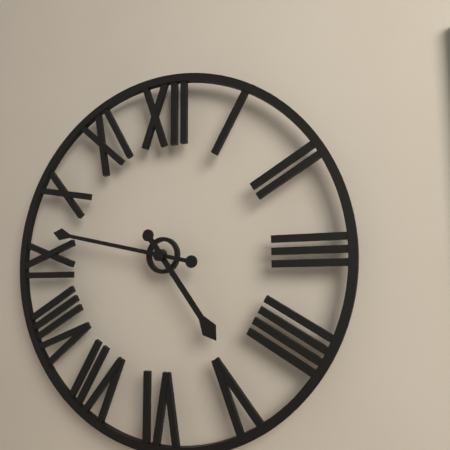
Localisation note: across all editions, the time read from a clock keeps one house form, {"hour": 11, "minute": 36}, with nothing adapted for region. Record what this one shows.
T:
{"hour": 4, "minute": 47}
